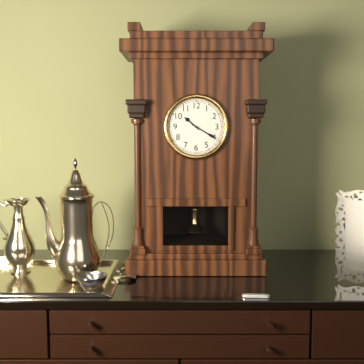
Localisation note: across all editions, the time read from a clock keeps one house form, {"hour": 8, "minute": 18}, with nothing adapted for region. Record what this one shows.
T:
{"hour": 10, "minute": 20}
